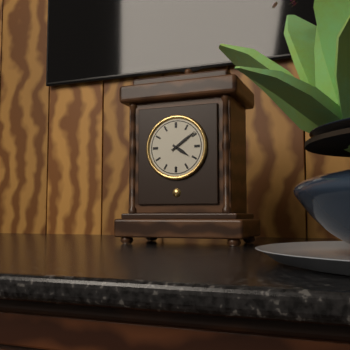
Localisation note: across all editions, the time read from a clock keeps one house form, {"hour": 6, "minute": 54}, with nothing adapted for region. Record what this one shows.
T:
{"hour": 4, "minute": 9}
